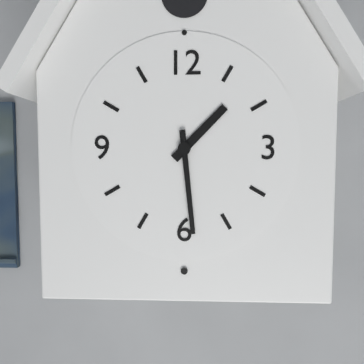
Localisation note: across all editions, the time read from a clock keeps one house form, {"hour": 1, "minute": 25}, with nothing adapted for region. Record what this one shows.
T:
{"hour": 1, "minute": 29}
